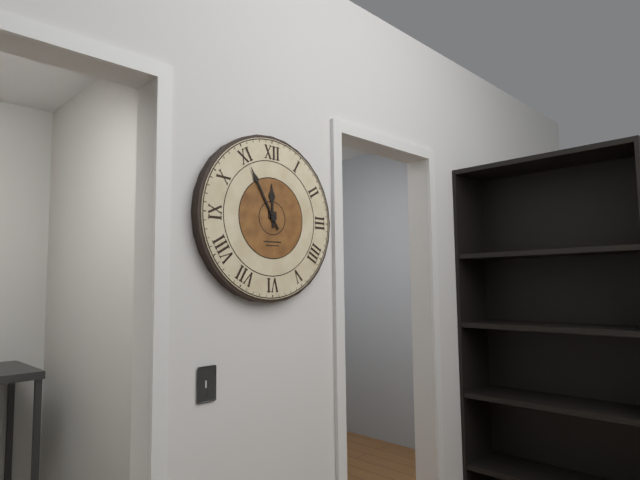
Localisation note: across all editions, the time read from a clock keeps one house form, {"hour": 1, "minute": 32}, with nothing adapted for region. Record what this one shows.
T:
{"hour": 11, "minute": 55}
